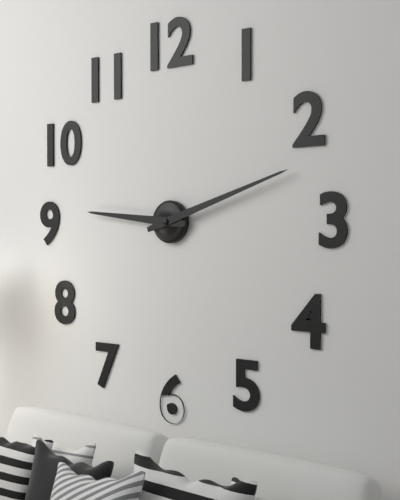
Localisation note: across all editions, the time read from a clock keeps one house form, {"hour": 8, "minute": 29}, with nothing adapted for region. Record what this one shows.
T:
{"hour": 9, "minute": 12}
